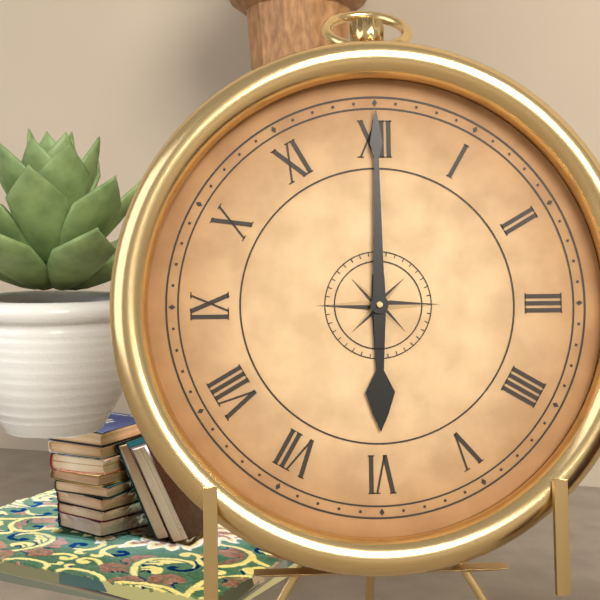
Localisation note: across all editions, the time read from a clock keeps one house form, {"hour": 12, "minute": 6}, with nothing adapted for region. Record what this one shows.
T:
{"hour": 6, "minute": 0}
